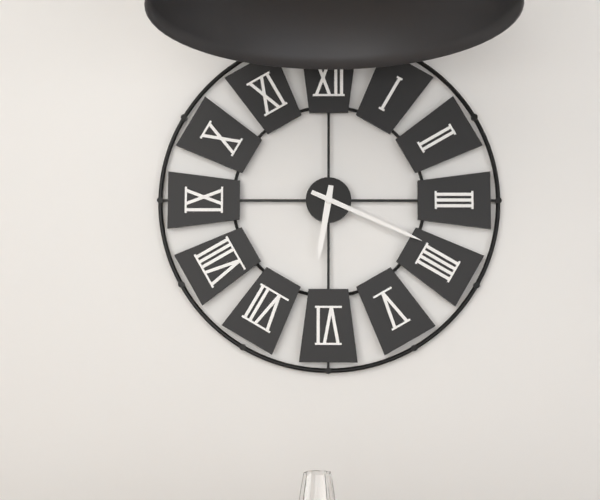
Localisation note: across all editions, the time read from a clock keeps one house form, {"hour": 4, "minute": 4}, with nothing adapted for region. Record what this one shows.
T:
{"hour": 6, "minute": 19}
